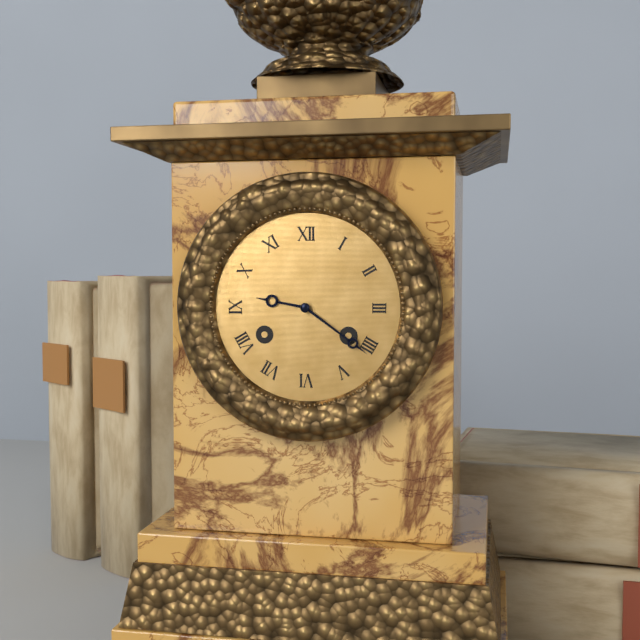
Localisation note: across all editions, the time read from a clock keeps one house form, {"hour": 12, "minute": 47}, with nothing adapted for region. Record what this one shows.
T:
{"hour": 9, "minute": 21}
